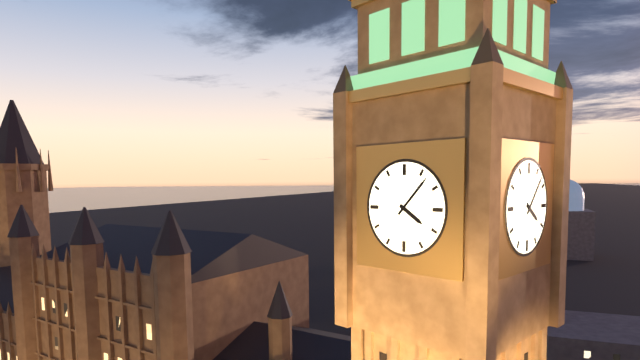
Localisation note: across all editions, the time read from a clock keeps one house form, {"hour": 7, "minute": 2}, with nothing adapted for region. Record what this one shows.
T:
{"hour": 4, "minute": 7}
